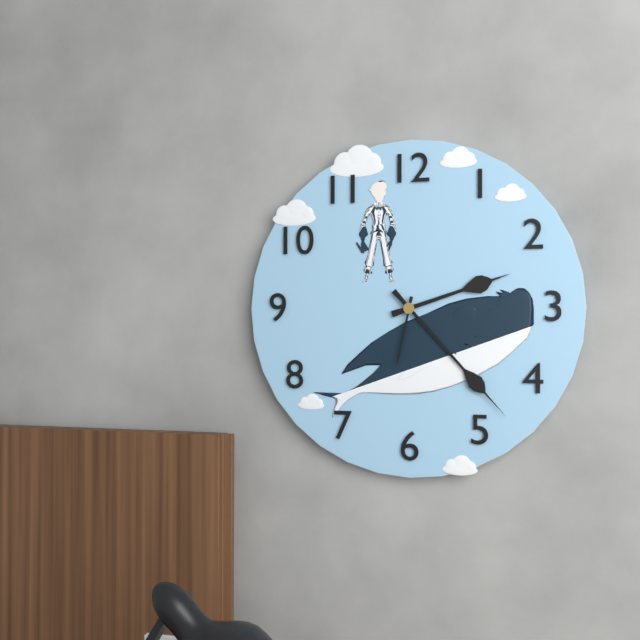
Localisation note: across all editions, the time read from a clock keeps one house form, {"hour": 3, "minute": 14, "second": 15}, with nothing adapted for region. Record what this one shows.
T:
{"hour": 2, "minute": 23, "second": 32}
